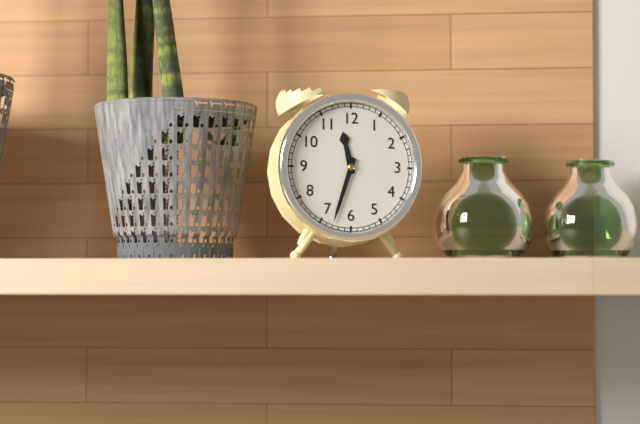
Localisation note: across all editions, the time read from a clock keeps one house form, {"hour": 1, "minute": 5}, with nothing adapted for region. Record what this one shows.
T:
{"hour": 11, "minute": 33}
